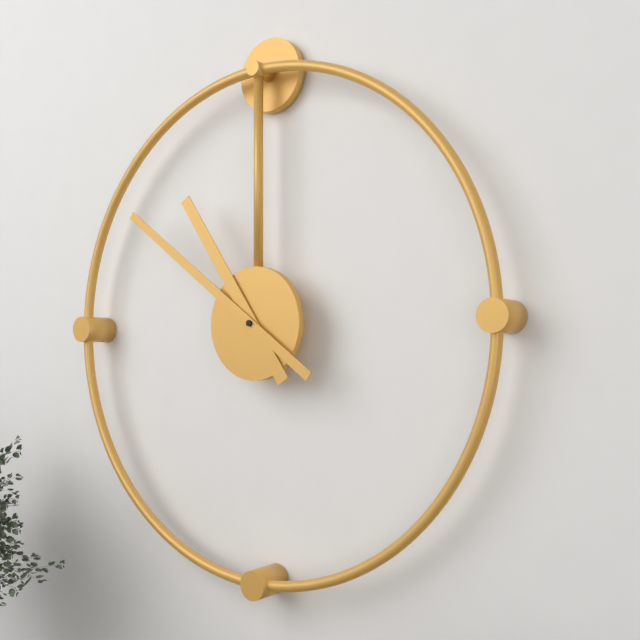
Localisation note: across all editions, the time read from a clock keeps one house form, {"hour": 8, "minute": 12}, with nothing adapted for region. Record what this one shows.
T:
{"hour": 10, "minute": 51}
